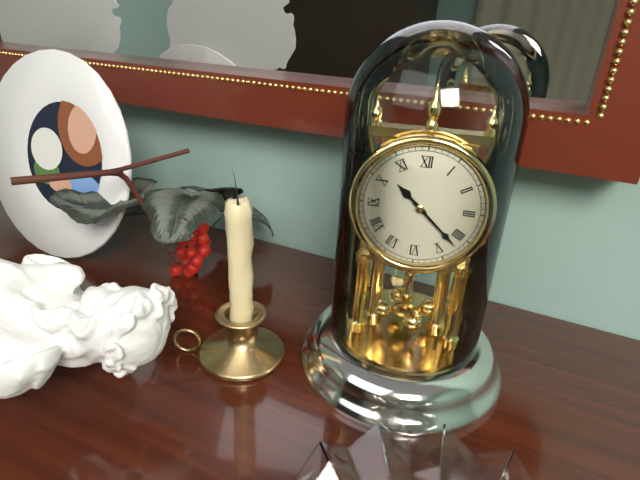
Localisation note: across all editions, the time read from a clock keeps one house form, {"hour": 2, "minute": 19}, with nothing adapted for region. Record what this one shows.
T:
{"hour": 10, "minute": 22}
